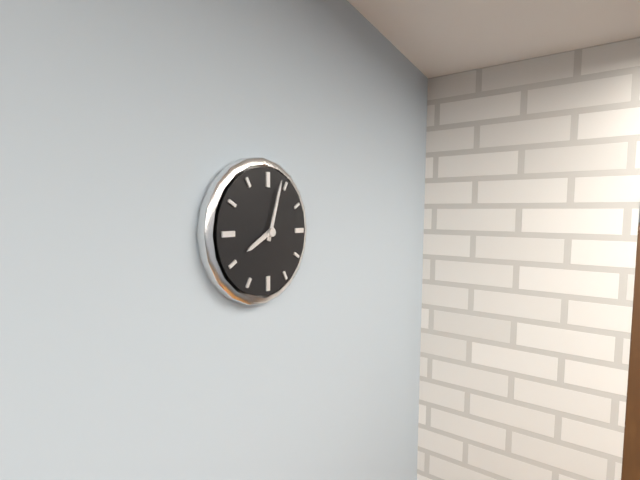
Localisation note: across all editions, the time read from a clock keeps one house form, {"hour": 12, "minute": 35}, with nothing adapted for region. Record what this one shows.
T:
{"hour": 8, "minute": 3}
